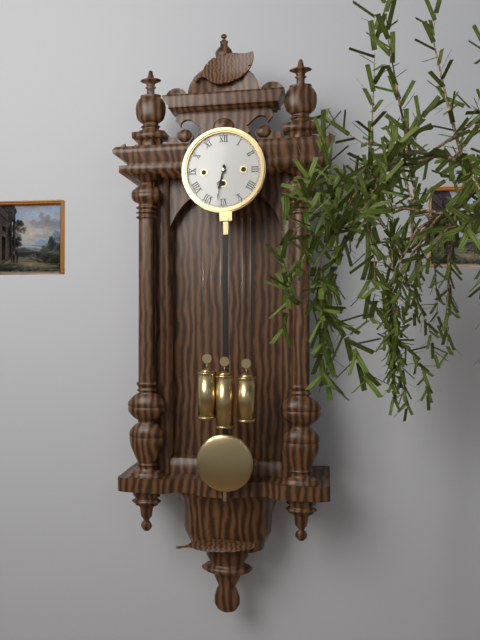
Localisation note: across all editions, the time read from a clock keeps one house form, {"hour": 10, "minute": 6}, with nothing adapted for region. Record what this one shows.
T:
{"hour": 6, "minute": 32}
